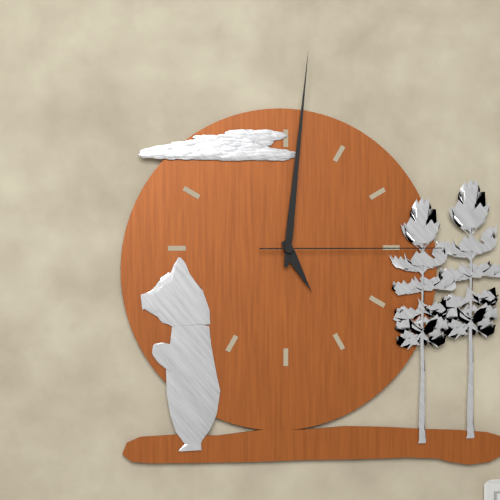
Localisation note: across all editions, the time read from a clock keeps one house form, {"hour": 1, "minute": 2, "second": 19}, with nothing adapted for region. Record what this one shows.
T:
{"hour": 5, "minute": 1, "second": 15}
